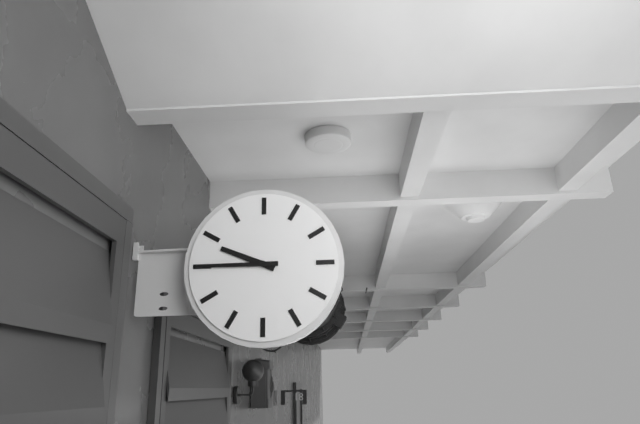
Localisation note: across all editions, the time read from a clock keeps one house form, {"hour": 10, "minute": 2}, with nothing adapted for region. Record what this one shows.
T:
{"hour": 9, "minute": 45}
